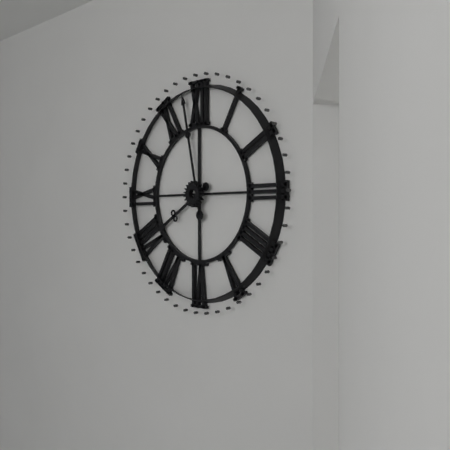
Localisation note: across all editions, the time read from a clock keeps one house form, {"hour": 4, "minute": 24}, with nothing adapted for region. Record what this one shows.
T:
{"hour": 7, "minute": 58}
